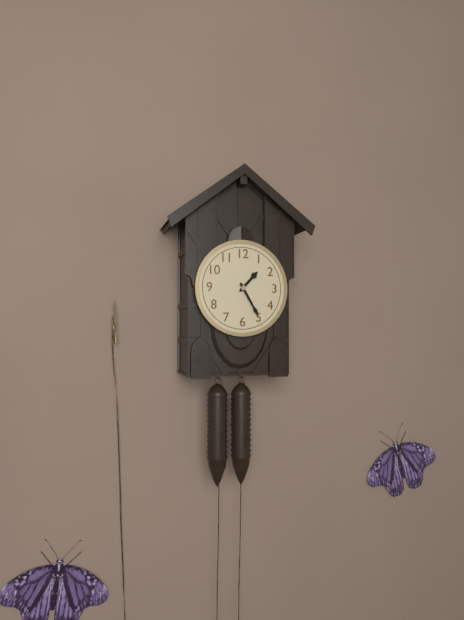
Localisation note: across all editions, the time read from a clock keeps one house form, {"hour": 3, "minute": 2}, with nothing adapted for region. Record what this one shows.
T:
{"hour": 1, "minute": 25}
